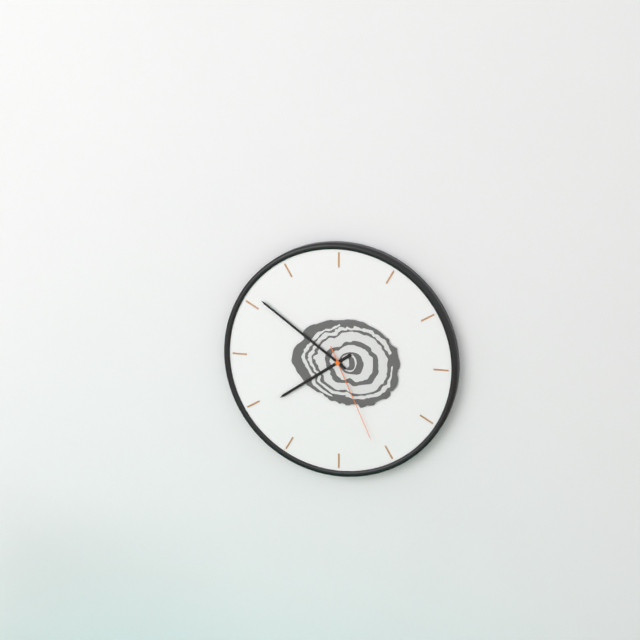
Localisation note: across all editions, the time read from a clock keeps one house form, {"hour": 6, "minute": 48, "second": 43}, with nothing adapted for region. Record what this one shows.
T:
{"hour": 7, "minute": 51, "second": 26}
